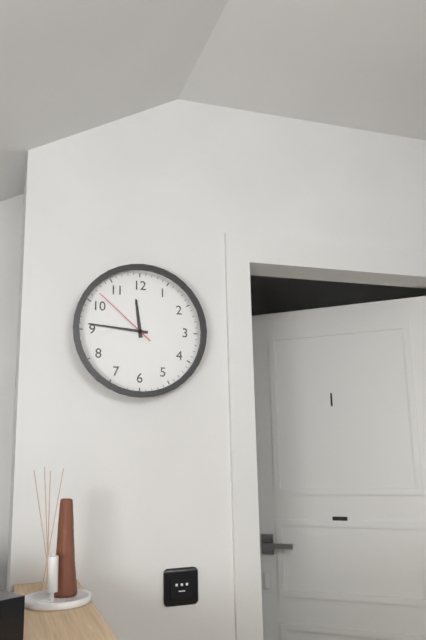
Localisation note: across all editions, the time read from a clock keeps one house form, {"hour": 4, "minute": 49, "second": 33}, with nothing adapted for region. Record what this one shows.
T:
{"hour": 11, "minute": 46, "second": 52}
